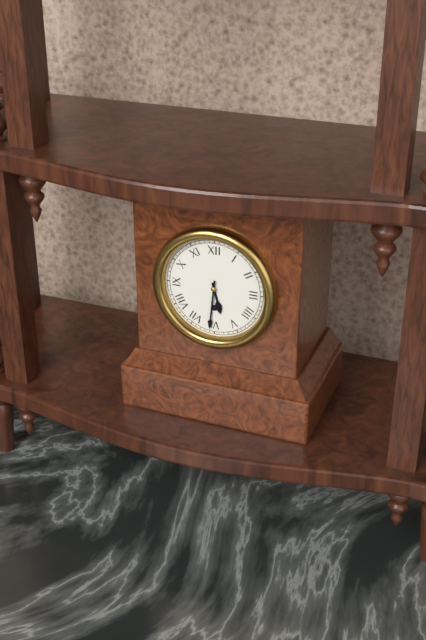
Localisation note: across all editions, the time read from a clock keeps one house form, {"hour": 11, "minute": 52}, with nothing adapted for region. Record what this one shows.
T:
{"hour": 5, "minute": 31}
